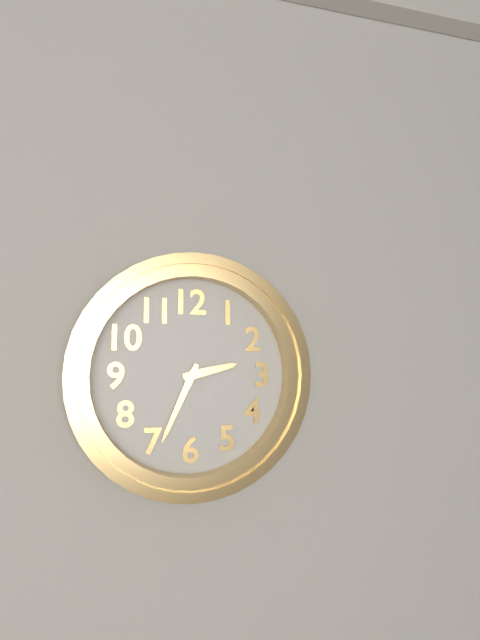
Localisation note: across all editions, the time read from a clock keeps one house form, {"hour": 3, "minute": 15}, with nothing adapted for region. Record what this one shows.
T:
{"hour": 2, "minute": 34}
